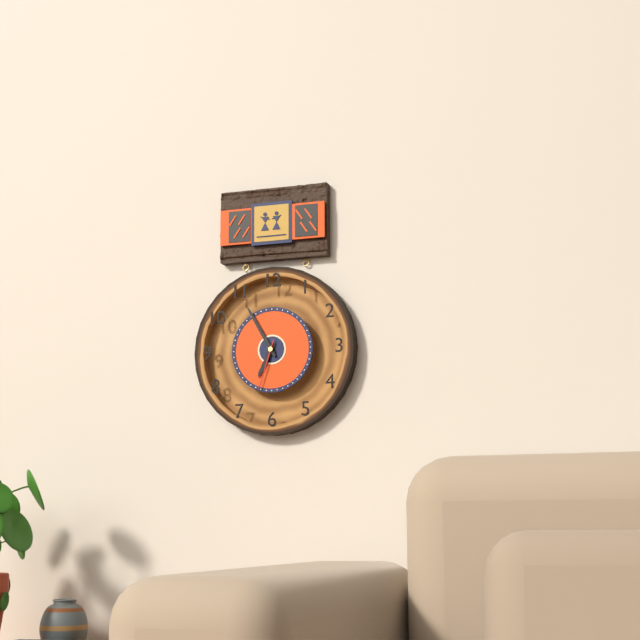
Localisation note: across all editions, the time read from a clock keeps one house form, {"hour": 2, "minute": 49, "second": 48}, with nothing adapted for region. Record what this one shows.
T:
{"hour": 6, "minute": 55, "second": 33}
